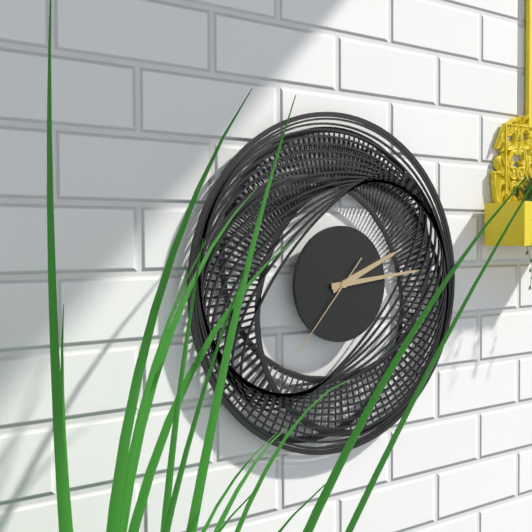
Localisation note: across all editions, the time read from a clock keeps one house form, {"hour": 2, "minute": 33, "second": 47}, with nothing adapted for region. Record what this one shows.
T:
{"hour": 2, "minute": 14, "second": 37}
